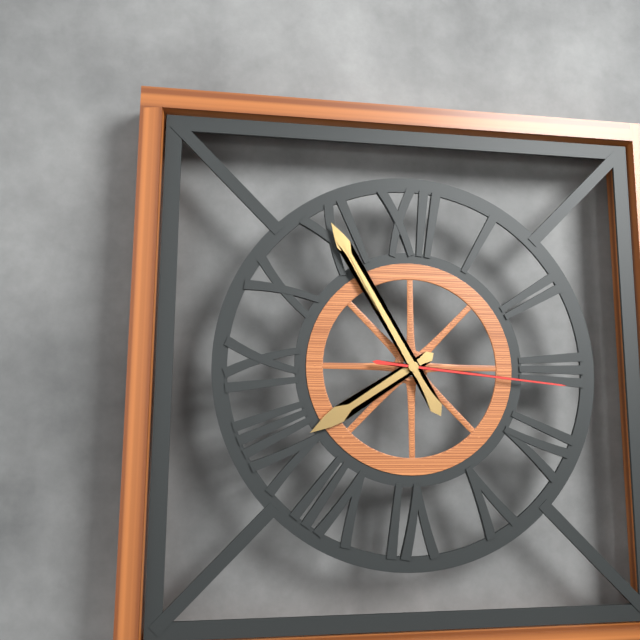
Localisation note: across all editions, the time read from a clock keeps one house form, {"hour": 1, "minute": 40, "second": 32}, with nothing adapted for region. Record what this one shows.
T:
{"hour": 7, "minute": 55, "second": 16}
